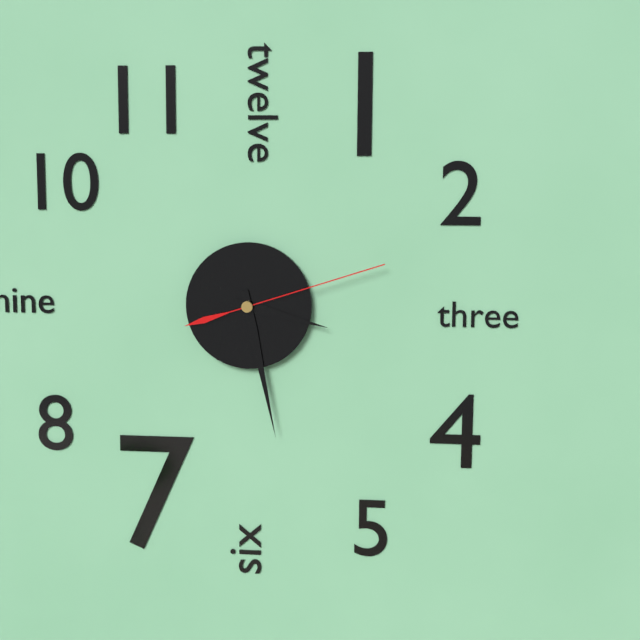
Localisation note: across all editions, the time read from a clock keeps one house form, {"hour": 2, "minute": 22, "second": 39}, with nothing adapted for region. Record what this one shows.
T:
{"hour": 3, "minute": 28, "second": 12}
